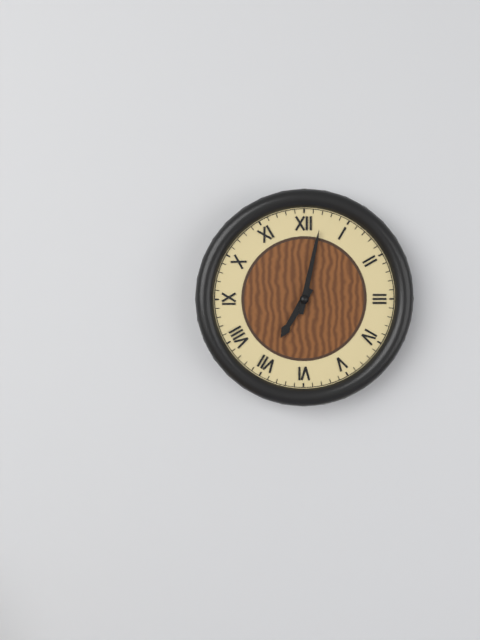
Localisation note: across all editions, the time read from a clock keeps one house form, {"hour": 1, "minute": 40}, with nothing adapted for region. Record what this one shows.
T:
{"hour": 7, "minute": 2}
